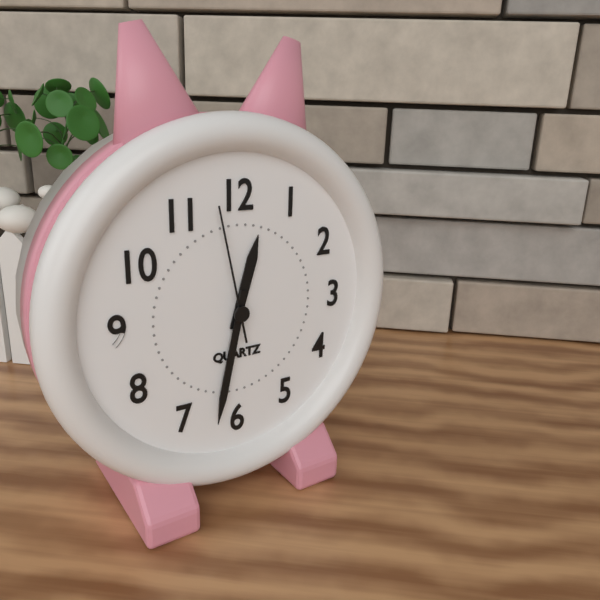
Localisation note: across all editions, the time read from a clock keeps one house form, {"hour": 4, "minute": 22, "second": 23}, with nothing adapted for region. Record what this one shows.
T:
{"hour": 12, "minute": 32, "second": 58}
